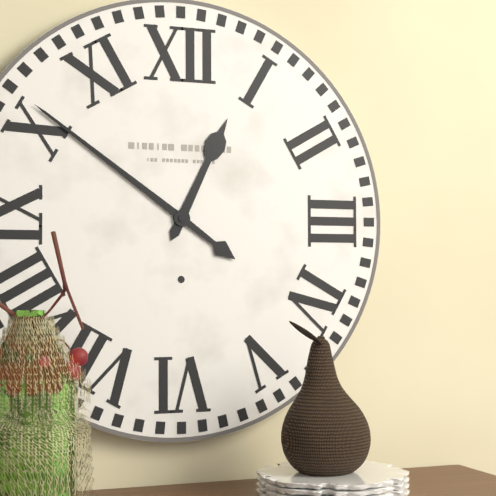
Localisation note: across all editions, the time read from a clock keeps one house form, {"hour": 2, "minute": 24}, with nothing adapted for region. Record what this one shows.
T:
{"hour": 12, "minute": 51}
